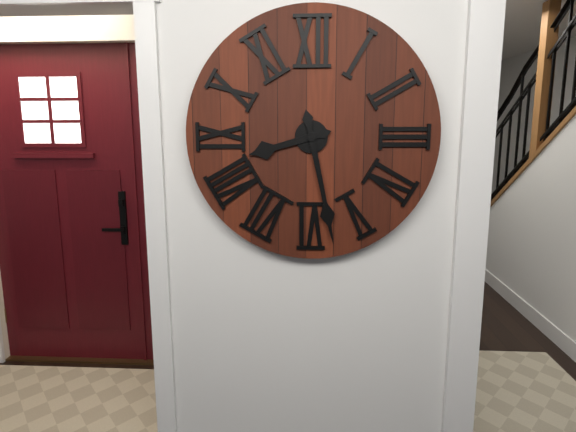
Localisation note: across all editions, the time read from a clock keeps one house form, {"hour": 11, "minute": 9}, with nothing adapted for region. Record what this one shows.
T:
{"hour": 8, "minute": 28}
